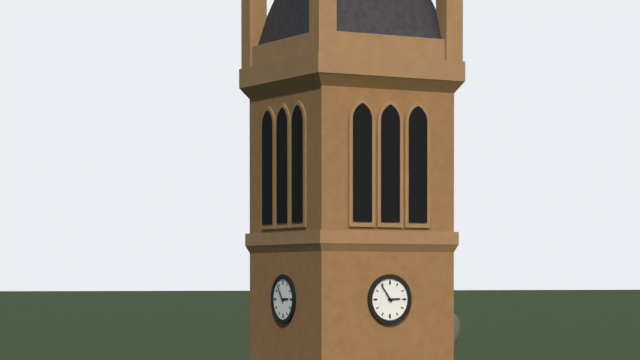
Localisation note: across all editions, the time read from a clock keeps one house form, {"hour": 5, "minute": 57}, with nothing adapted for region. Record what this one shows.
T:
{"hour": 2, "minute": 54}
